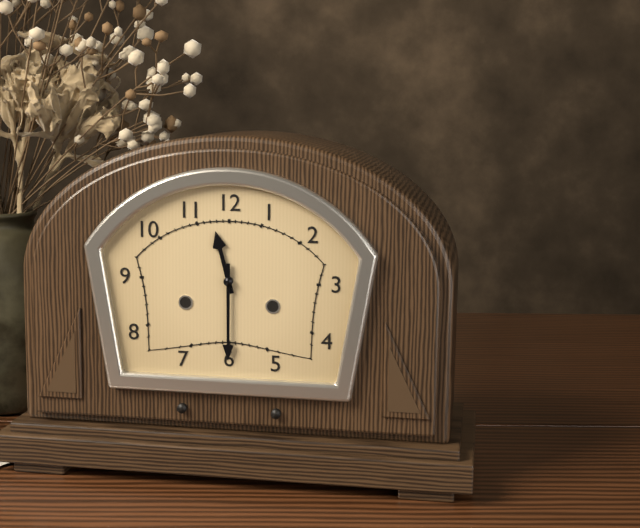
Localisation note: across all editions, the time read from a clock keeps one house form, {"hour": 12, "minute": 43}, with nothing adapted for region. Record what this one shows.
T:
{"hour": 11, "minute": 30}
